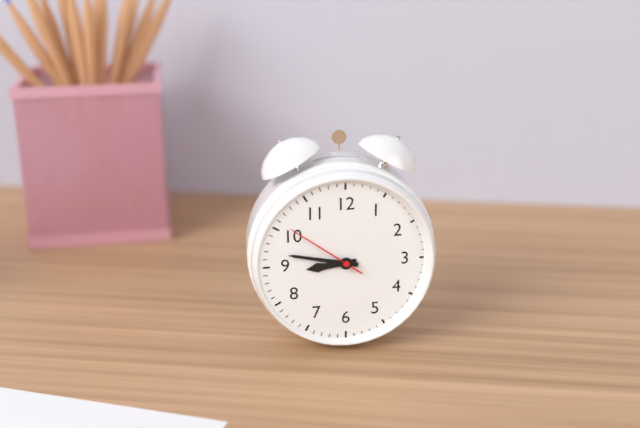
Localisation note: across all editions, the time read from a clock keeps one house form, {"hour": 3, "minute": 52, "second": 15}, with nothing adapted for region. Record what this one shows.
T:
{"hour": 8, "minute": 47, "second": 51}
